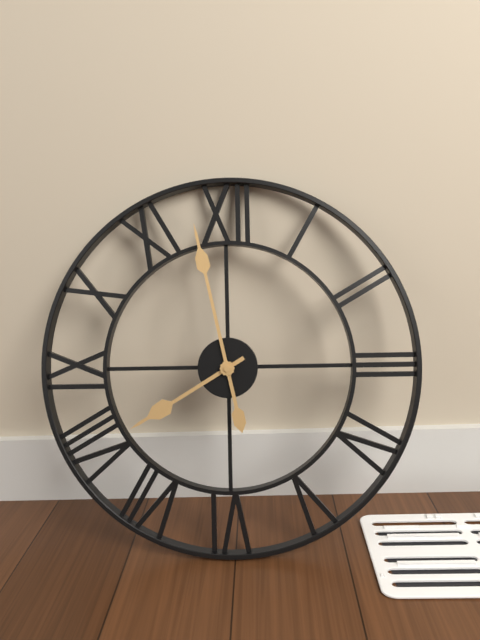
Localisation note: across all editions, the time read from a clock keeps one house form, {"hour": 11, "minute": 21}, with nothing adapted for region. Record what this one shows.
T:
{"hour": 7, "minute": 58}
